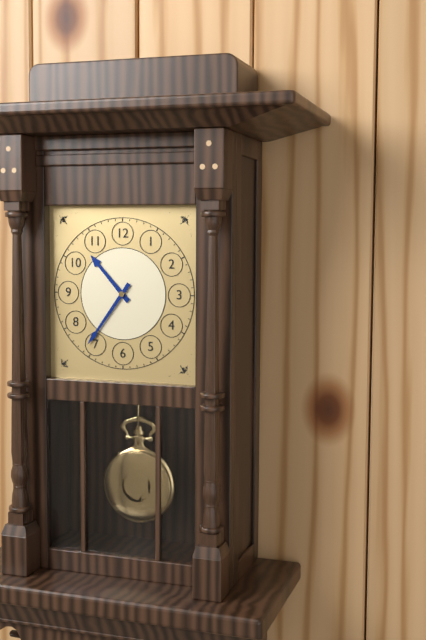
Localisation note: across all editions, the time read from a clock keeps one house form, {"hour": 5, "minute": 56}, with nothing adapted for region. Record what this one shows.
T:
{"hour": 10, "minute": 36}
